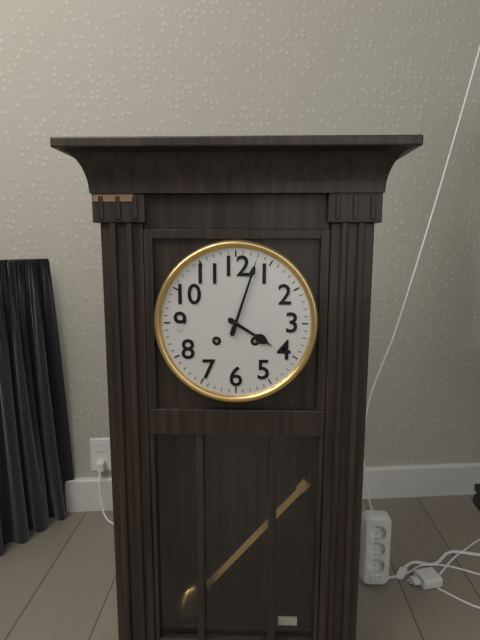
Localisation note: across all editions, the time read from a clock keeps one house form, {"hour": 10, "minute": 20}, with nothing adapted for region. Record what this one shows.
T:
{"hour": 4, "minute": 3}
